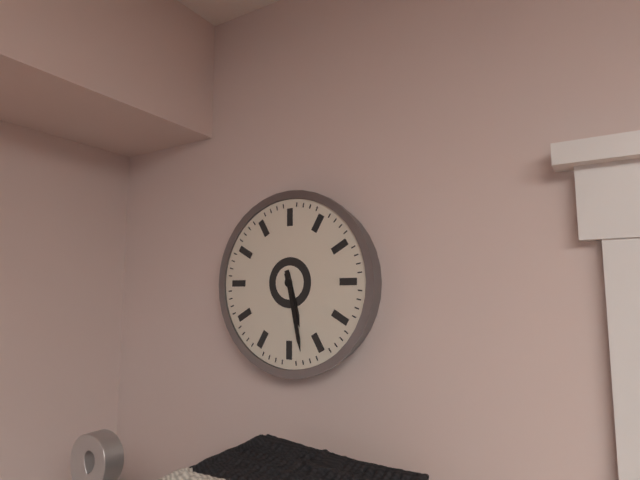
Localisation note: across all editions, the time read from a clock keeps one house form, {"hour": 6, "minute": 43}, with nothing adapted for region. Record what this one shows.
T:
{"hour": 5, "minute": 28}
